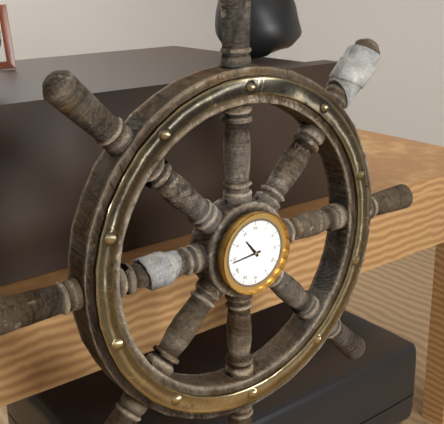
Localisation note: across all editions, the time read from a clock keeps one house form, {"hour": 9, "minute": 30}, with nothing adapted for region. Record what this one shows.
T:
{"hour": 10, "minute": 44}
